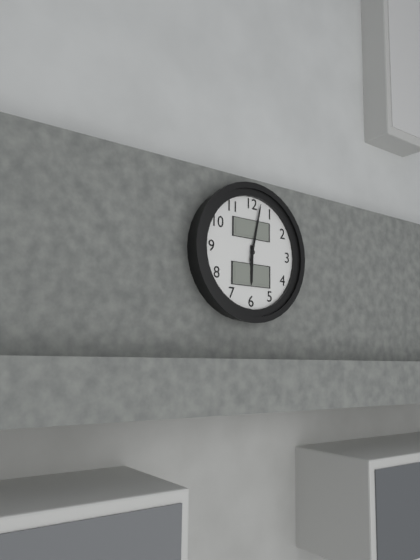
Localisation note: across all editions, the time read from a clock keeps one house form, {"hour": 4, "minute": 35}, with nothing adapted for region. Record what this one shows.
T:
{"hour": 6, "minute": 2}
